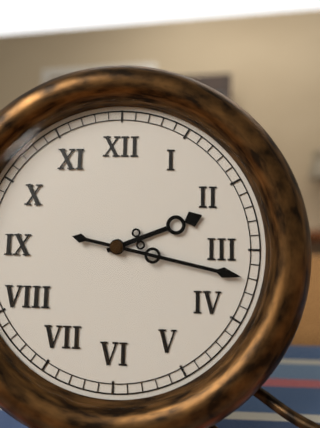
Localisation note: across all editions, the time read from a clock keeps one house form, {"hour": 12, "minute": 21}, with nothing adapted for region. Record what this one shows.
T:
{"hour": 2, "minute": 17}
